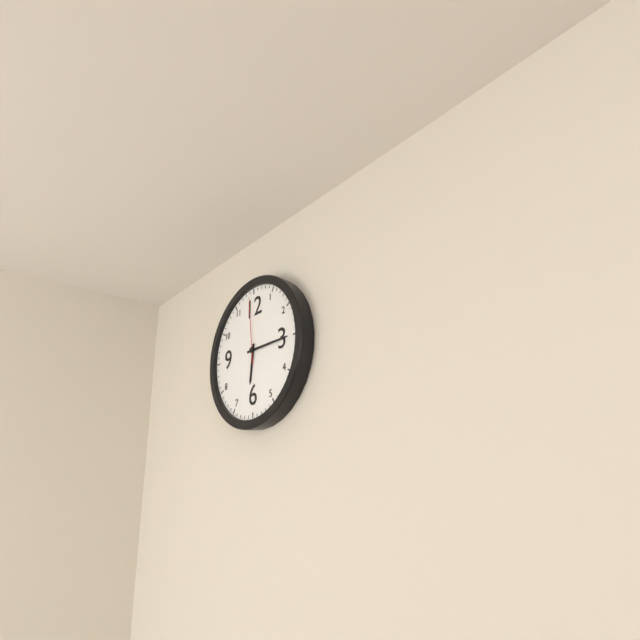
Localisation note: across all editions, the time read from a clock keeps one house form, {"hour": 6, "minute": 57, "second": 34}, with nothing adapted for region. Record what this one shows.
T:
{"hour": 6, "minute": 15, "second": 59}
